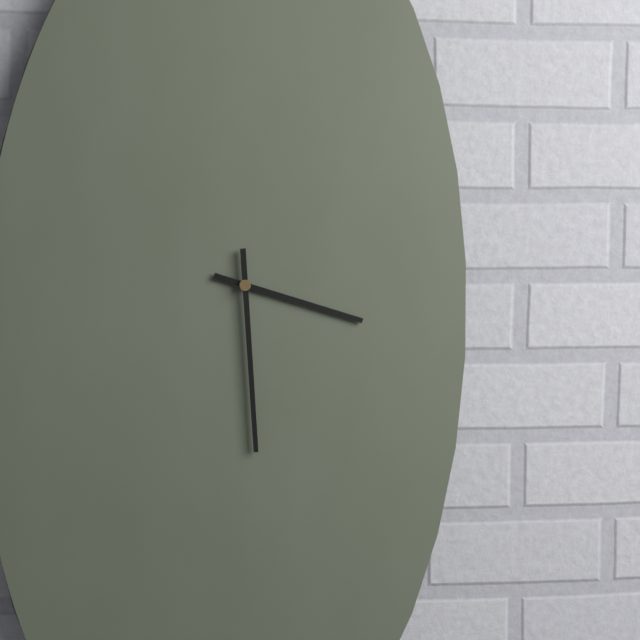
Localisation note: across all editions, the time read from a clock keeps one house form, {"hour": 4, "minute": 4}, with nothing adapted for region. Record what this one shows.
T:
{"hour": 3, "minute": 29}
